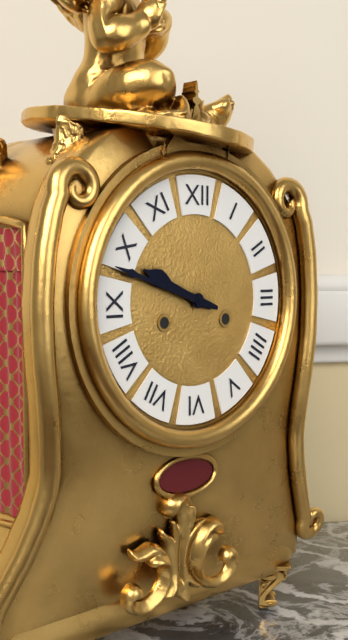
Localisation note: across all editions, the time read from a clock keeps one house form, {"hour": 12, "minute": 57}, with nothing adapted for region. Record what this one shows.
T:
{"hour": 9, "minute": 48}
